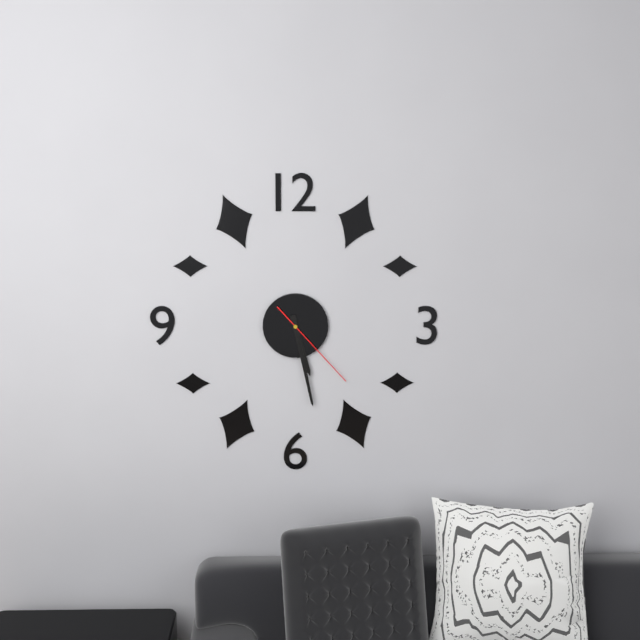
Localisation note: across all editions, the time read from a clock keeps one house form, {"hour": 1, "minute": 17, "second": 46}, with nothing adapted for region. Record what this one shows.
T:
{"hour": 5, "minute": 28, "second": 23}
